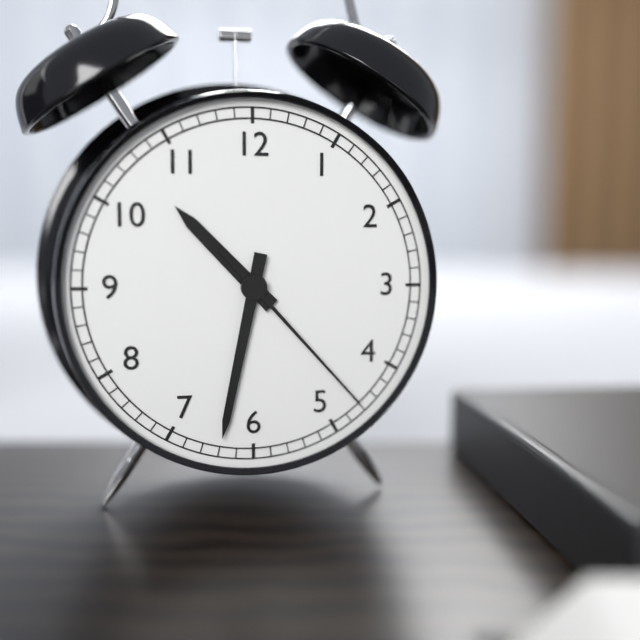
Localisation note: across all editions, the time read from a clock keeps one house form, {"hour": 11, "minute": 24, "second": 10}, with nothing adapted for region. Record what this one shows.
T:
{"hour": 10, "minute": 32, "second": 23}
